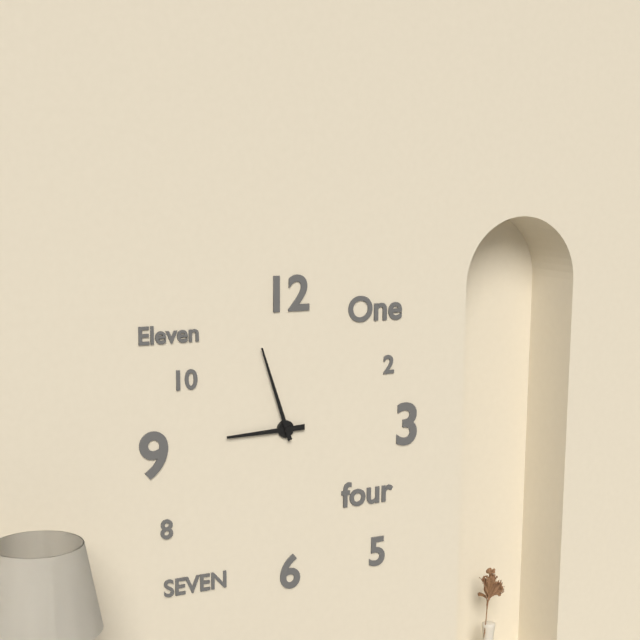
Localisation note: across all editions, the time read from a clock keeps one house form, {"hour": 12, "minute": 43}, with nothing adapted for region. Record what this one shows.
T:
{"hour": 8, "minute": 57}
